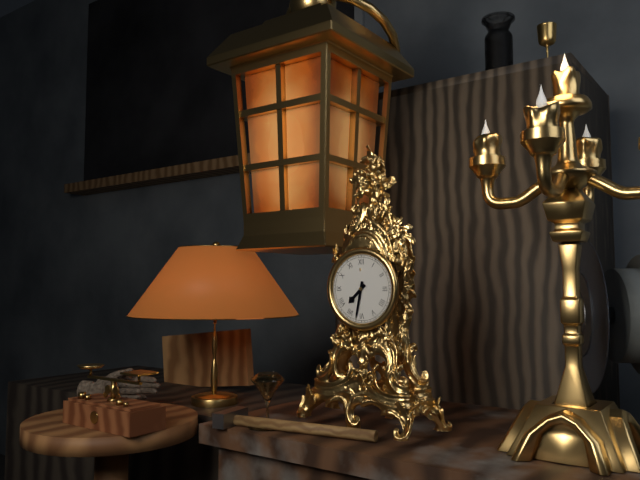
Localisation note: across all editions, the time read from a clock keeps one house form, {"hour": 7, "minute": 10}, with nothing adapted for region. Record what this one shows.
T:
{"hour": 7, "minute": 32}
